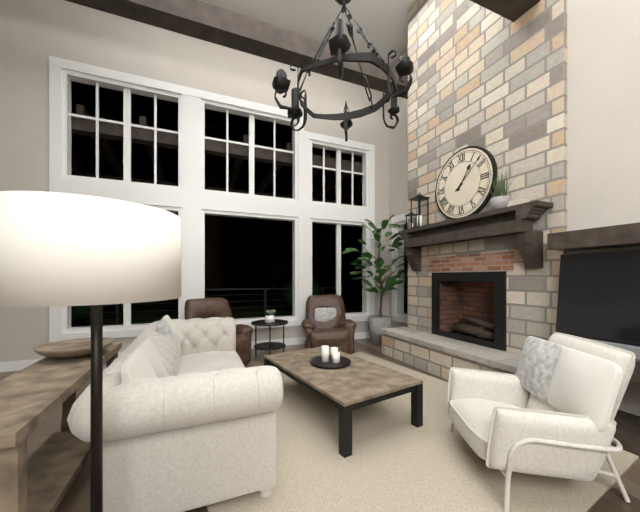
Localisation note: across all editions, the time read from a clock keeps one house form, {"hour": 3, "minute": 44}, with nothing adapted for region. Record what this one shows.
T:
{"hour": 1, "minute": 8}
